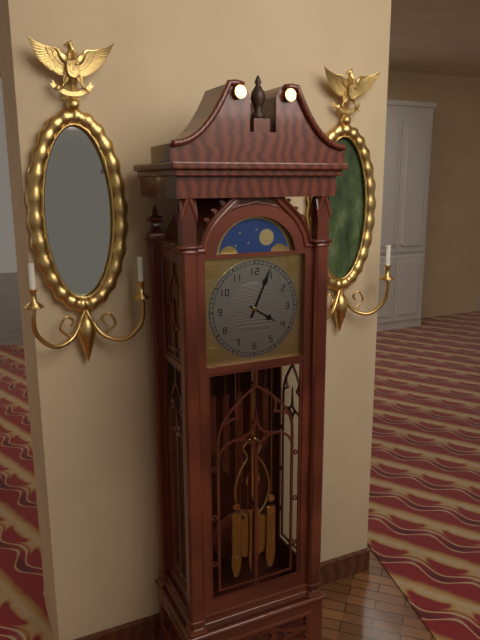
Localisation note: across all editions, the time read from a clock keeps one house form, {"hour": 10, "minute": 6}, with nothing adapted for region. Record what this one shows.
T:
{"hour": 4, "minute": 4}
